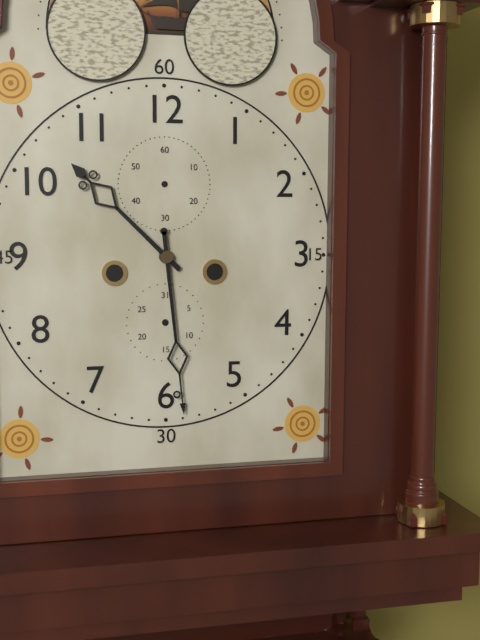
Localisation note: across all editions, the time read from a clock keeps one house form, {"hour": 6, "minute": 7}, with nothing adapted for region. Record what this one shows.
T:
{"hour": 10, "minute": 29}
